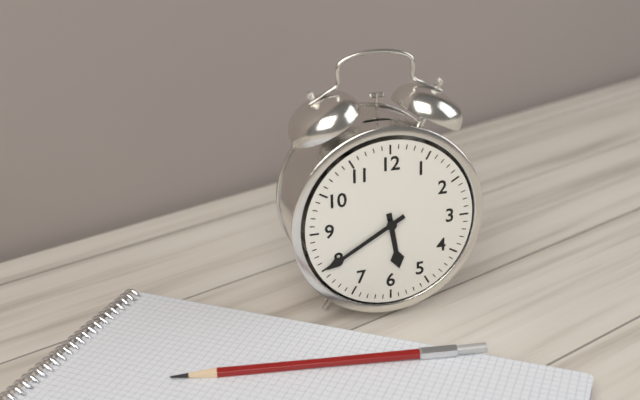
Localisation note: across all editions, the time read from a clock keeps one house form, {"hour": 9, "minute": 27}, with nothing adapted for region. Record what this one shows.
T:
{"hour": 5, "minute": 40}
